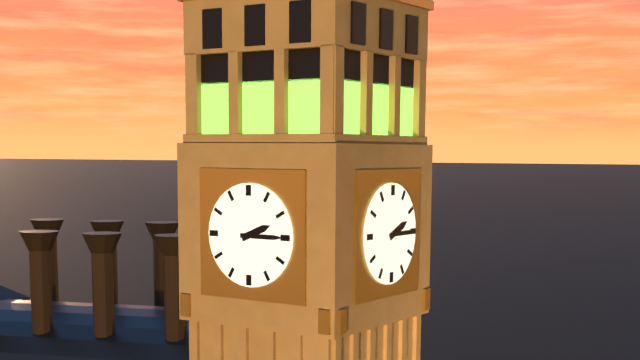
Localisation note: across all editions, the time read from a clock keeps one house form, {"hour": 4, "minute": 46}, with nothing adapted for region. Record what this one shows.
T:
{"hour": 2, "minute": 15}
